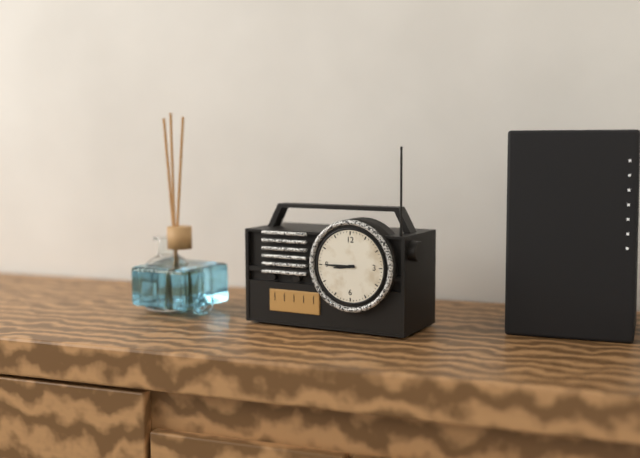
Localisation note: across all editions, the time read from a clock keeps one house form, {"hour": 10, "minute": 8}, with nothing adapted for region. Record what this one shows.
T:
{"hour": 8, "minute": 45}
